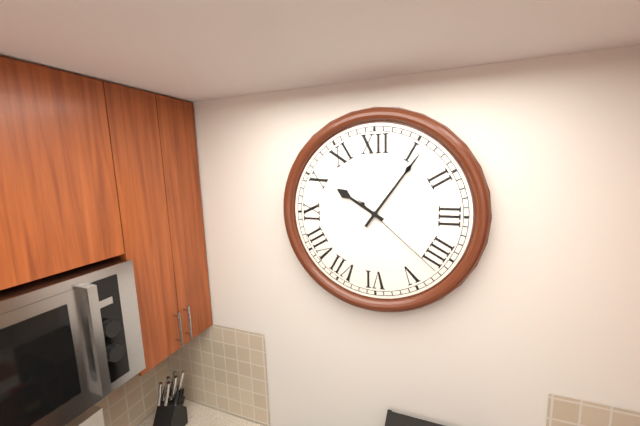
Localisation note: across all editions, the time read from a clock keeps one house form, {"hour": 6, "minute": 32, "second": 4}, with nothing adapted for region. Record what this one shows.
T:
{"hour": 10, "minute": 6, "second": 22}
